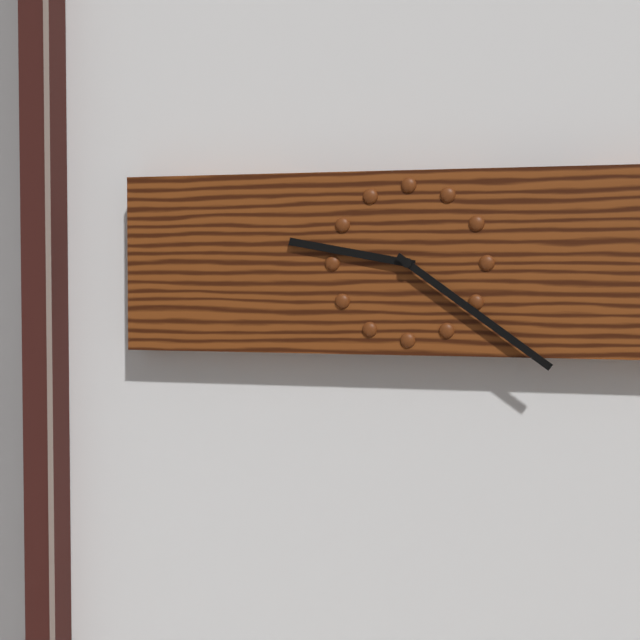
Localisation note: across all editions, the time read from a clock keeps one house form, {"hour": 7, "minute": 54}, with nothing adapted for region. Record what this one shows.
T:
{"hour": 9, "minute": 21}
